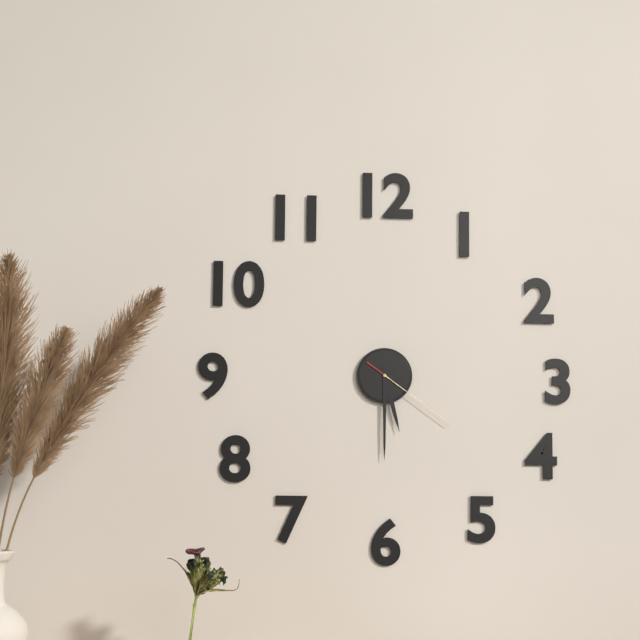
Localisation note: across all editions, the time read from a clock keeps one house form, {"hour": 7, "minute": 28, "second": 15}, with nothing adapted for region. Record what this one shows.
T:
{"hour": 5, "minute": 30, "second": 21}
